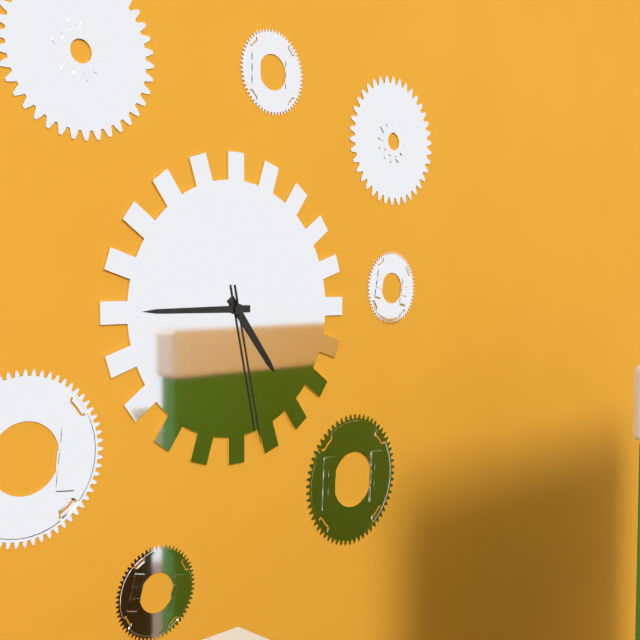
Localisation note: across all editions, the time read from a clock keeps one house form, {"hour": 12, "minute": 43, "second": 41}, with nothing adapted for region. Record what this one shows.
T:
{"hour": 4, "minute": 45, "second": 28}
